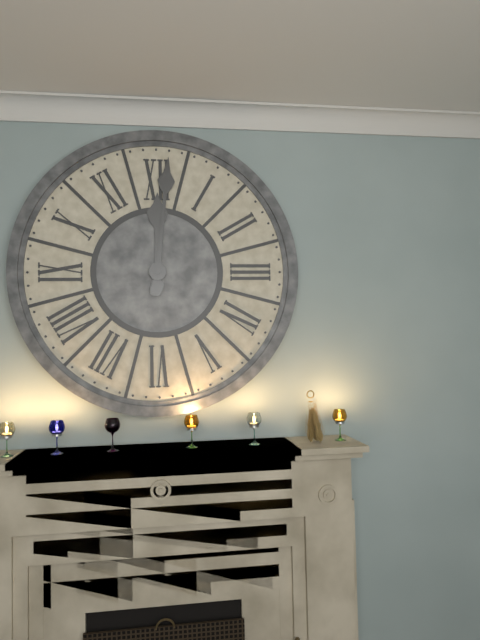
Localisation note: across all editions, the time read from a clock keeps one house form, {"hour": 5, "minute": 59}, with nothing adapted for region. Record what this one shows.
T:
{"hour": 12, "minute": 1}
